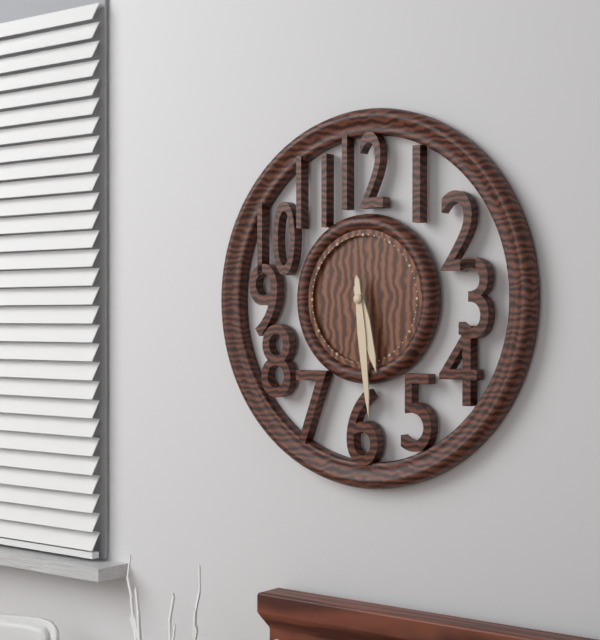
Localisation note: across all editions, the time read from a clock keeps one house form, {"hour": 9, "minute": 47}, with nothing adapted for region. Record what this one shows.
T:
{"hour": 5, "minute": 29}
